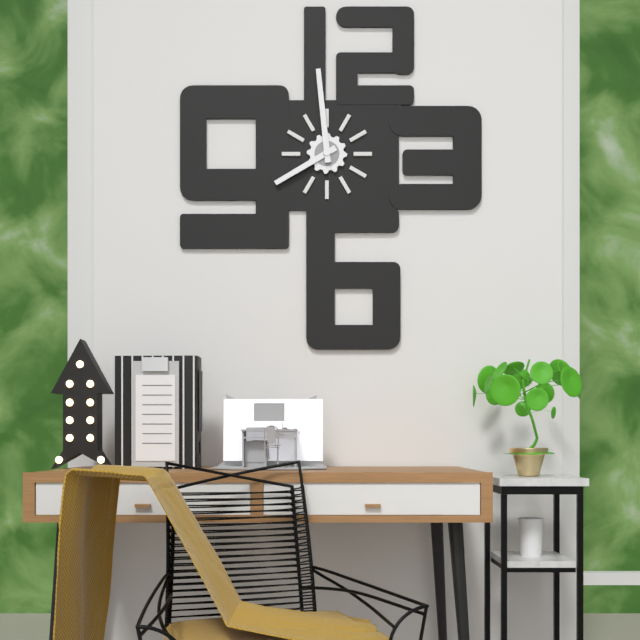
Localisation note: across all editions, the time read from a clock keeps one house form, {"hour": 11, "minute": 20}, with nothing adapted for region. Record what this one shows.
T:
{"hour": 7, "minute": 59}
